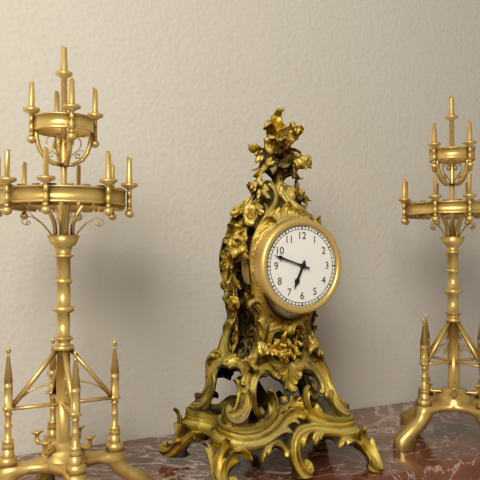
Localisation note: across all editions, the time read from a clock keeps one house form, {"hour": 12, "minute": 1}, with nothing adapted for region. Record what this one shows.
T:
{"hour": 6, "minute": 48}
